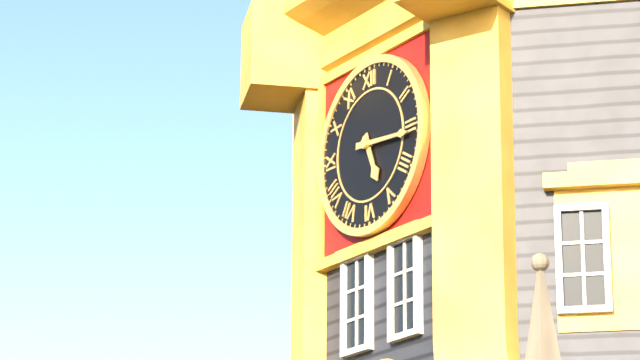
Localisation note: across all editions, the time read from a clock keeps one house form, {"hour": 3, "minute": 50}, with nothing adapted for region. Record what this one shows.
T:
{"hour": 5, "minute": 16}
